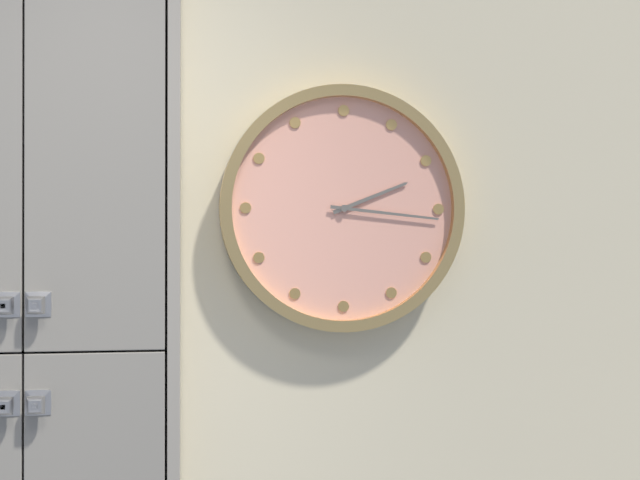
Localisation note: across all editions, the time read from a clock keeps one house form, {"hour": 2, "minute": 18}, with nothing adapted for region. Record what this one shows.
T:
{"hour": 2, "minute": 16}
